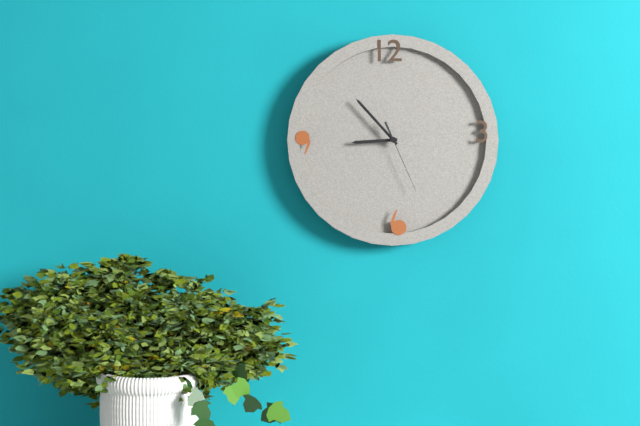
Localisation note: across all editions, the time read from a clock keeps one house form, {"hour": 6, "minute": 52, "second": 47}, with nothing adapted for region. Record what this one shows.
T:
{"hour": 8, "minute": 53, "second": 26}
